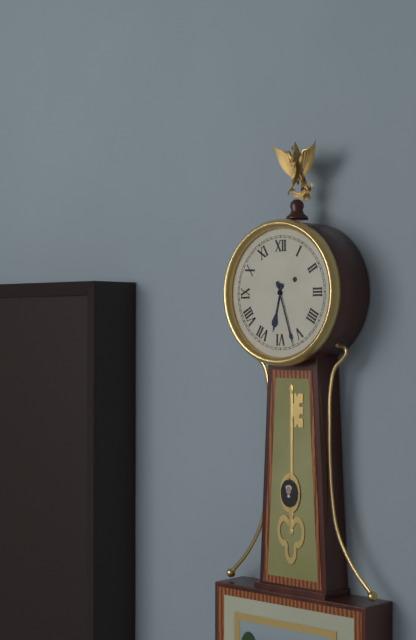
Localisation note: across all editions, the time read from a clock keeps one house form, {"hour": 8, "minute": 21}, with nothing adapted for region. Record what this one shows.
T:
{"hour": 6, "minute": 27}
